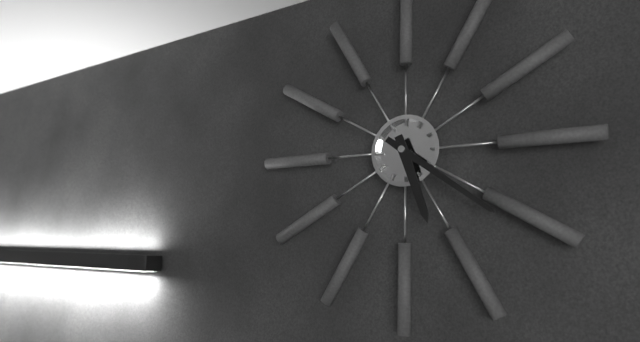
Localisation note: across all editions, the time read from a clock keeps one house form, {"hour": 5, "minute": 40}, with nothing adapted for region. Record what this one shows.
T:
{"hour": 5, "minute": 21}
